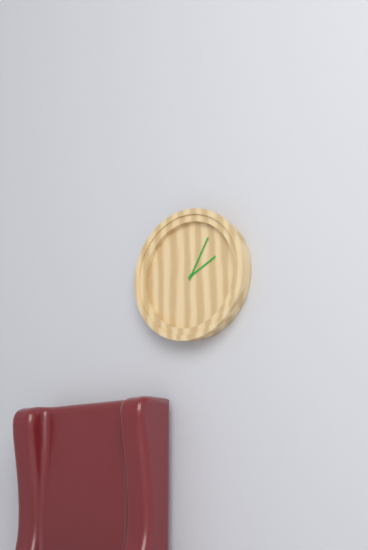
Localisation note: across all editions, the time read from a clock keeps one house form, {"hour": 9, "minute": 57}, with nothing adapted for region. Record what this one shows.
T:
{"hour": 2, "minute": 5}
